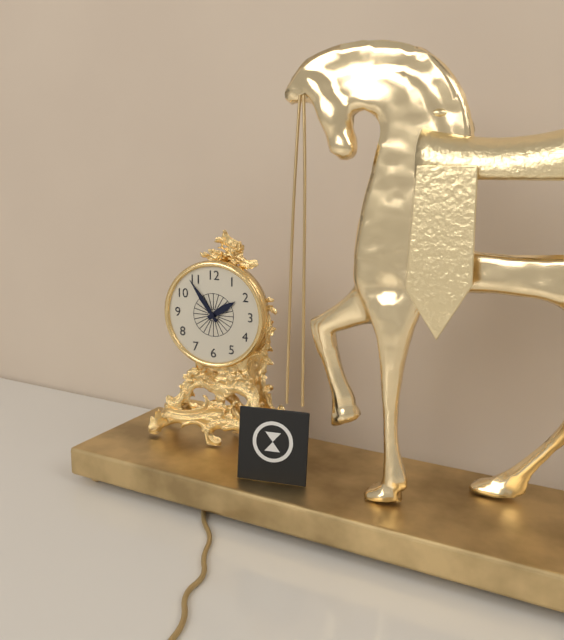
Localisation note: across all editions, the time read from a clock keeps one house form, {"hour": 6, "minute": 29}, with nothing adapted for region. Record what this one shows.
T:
{"hour": 1, "minute": 54}
